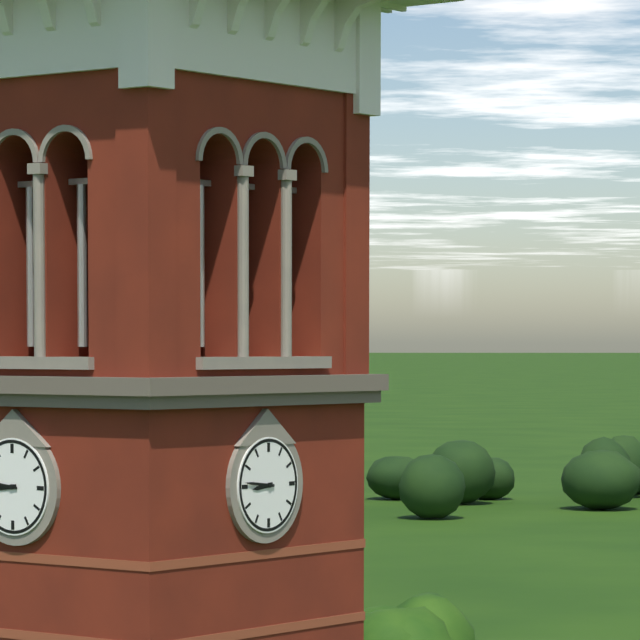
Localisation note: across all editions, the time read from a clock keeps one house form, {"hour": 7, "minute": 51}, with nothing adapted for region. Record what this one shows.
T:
{"hour": 8, "minute": 46}
